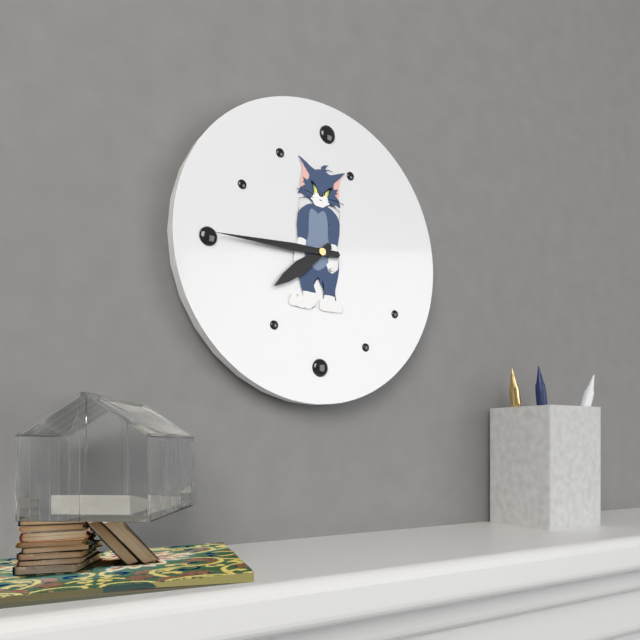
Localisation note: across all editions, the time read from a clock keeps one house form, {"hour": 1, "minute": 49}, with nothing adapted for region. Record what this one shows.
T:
{"hour": 7, "minute": 45}
